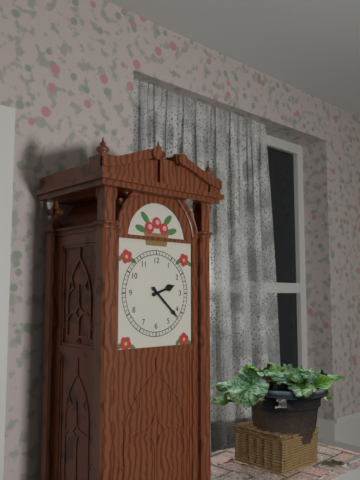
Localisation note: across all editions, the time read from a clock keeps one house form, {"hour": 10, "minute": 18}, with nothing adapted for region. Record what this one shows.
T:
{"hour": 2, "minute": 22}
